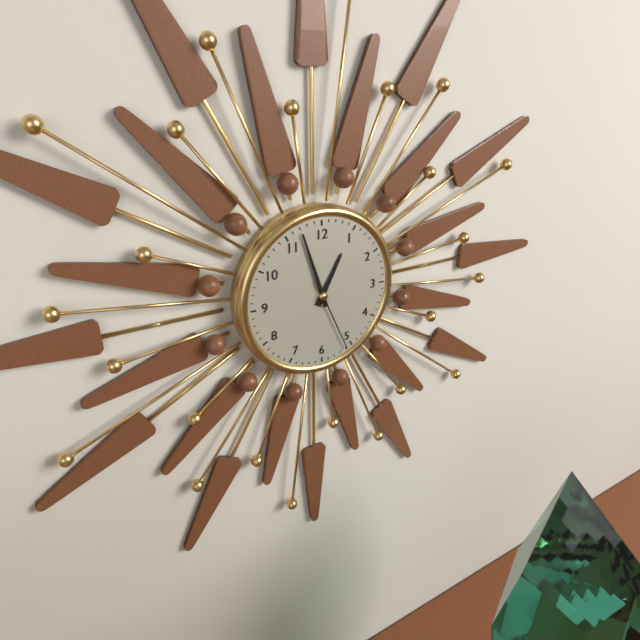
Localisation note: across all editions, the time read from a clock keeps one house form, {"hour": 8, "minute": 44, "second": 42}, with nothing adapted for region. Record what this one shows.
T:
{"hour": 12, "minute": 57, "second": 26}
